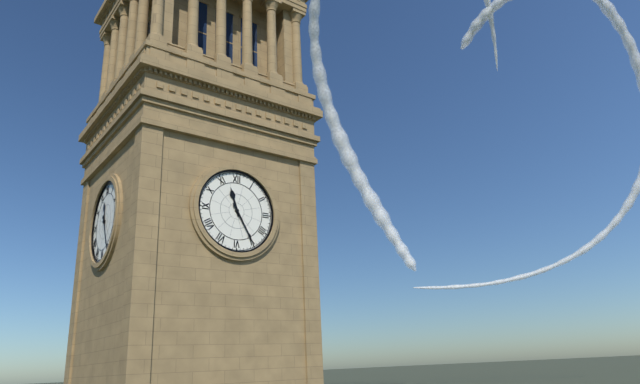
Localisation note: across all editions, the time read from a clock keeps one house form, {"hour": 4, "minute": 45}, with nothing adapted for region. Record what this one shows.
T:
{"hour": 11, "minute": 25}
